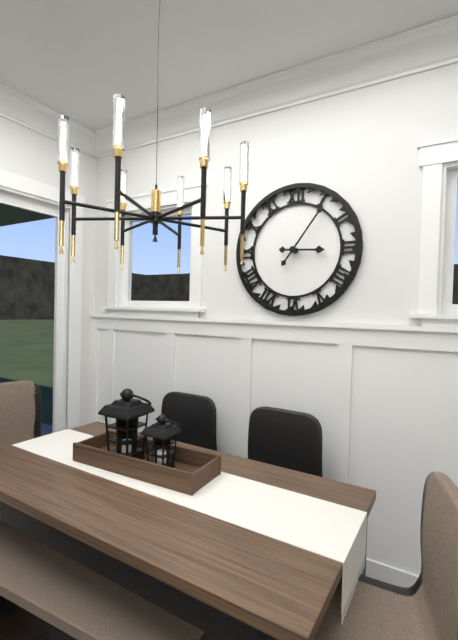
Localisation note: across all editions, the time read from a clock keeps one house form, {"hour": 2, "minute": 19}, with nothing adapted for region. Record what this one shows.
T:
{"hour": 3, "minute": 6}
